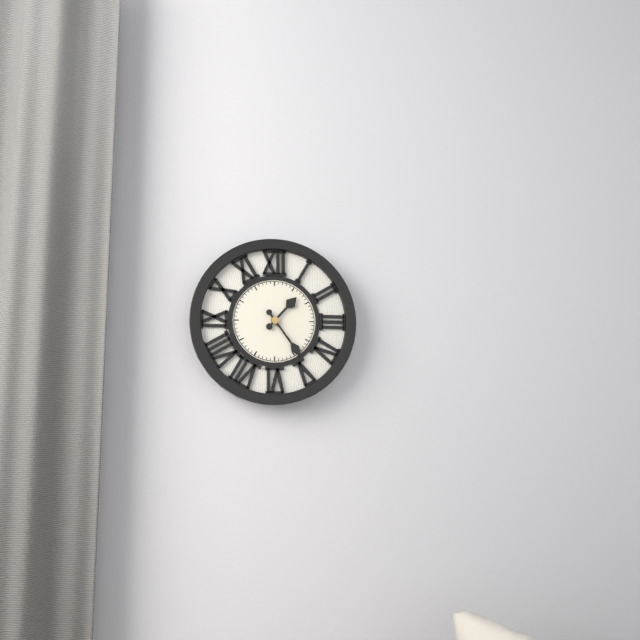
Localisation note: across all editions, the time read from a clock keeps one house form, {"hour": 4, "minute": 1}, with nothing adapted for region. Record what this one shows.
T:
{"hour": 1, "minute": 24}
